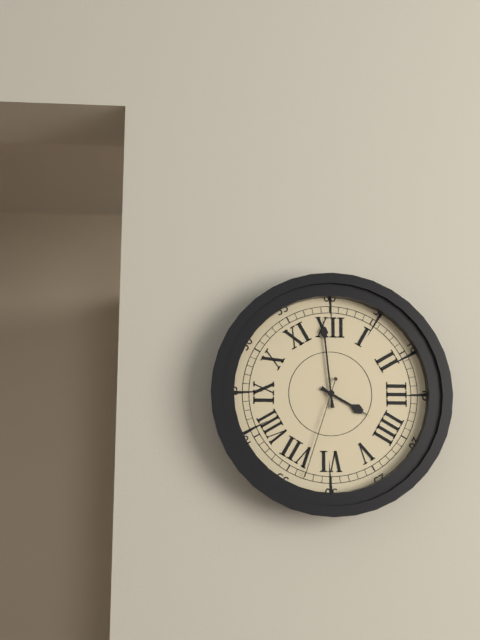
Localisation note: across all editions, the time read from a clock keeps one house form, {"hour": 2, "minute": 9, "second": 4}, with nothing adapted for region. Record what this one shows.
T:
{"hour": 3, "minute": 59, "second": 33}
